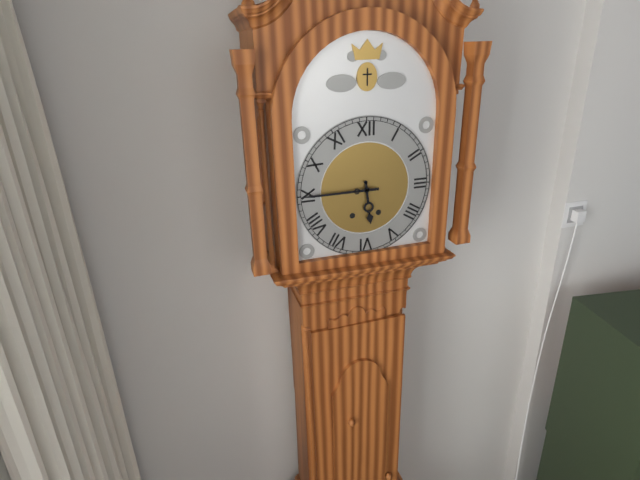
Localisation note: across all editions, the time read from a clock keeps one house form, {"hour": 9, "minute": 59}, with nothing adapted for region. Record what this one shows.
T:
{"hour": 5, "minute": 45}
